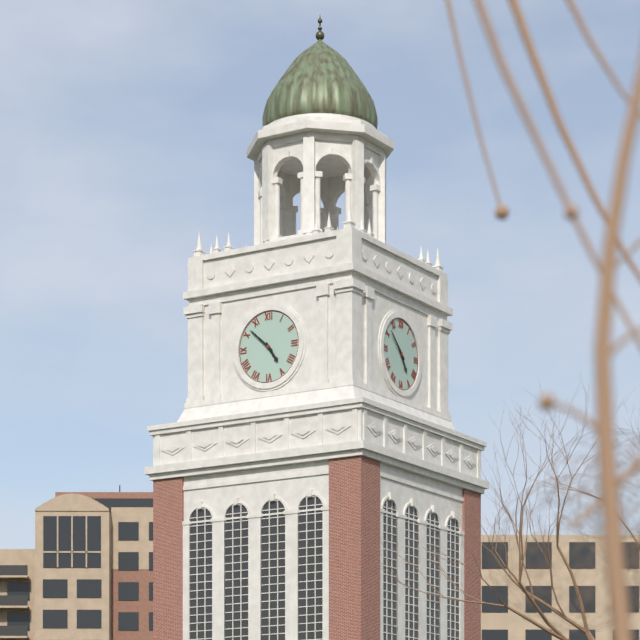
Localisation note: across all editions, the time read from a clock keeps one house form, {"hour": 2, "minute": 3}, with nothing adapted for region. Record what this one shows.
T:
{"hour": 4, "minute": 52}
